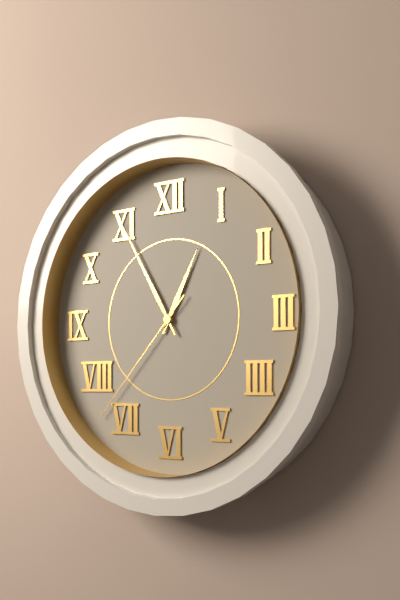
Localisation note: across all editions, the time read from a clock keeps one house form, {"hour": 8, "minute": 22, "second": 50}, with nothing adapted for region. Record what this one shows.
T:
{"hour": 12, "minute": 55, "second": 37}
